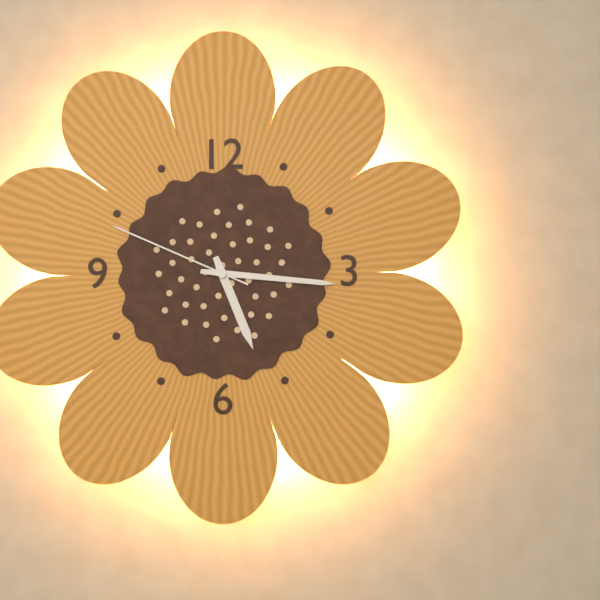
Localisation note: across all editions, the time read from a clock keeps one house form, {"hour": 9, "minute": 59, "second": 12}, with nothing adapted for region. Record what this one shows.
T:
{"hour": 5, "minute": 16, "second": 49}
